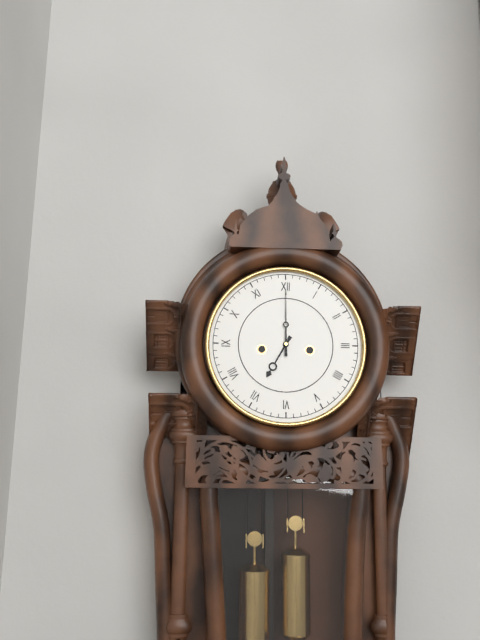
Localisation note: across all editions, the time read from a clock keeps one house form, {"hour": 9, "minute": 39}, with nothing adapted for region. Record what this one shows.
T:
{"hour": 7, "minute": 0}
